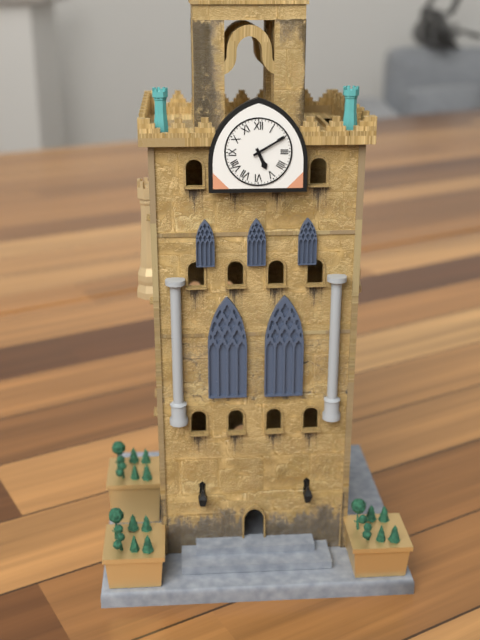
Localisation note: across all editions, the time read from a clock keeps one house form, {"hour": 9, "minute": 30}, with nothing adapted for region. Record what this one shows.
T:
{"hour": 5, "minute": 10}
